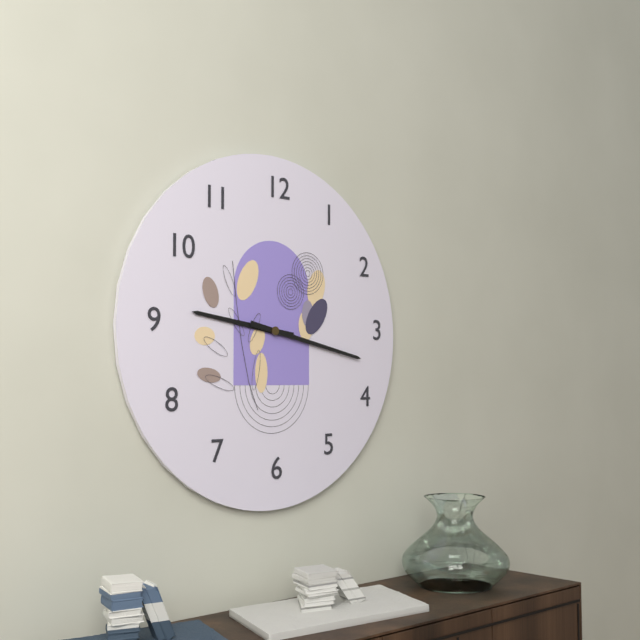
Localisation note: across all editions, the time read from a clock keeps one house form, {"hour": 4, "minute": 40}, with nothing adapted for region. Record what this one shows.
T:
{"hour": 9, "minute": 17}
